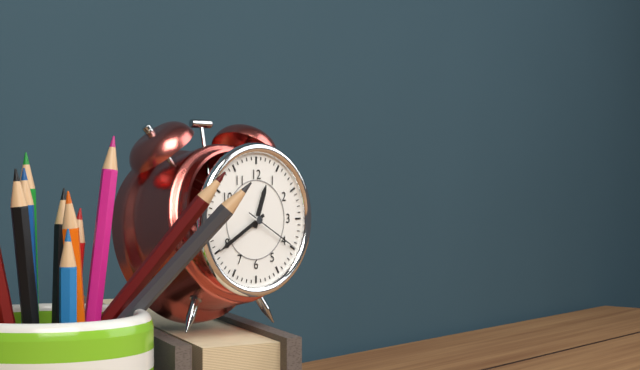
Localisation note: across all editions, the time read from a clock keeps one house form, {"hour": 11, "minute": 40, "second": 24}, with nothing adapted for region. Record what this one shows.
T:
{"hour": 12, "minute": 40, "second": 20}
